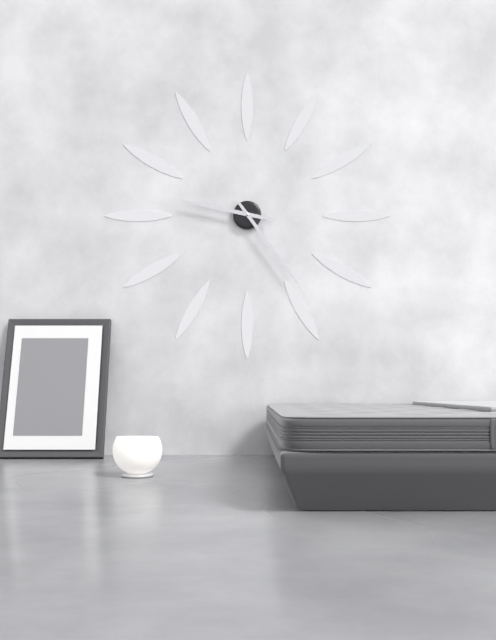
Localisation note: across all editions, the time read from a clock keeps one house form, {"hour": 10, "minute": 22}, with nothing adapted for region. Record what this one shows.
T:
{"hour": 9, "minute": 24}
